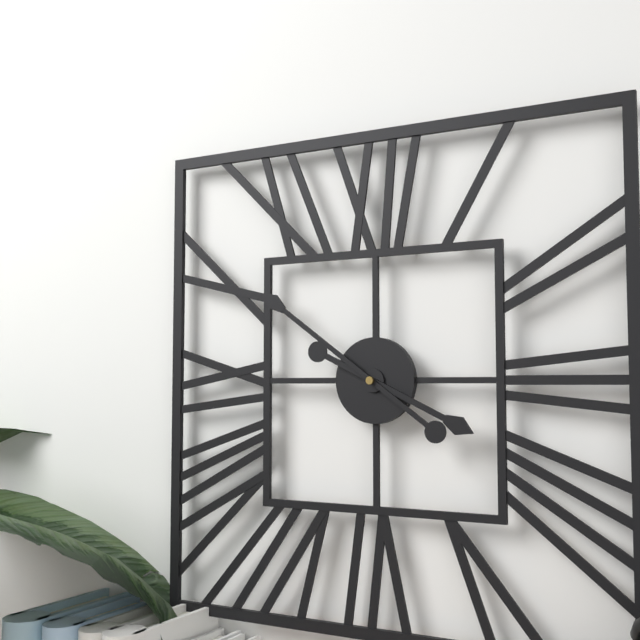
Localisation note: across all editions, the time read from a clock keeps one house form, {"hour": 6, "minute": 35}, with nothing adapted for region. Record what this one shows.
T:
{"hour": 3, "minute": 51}
